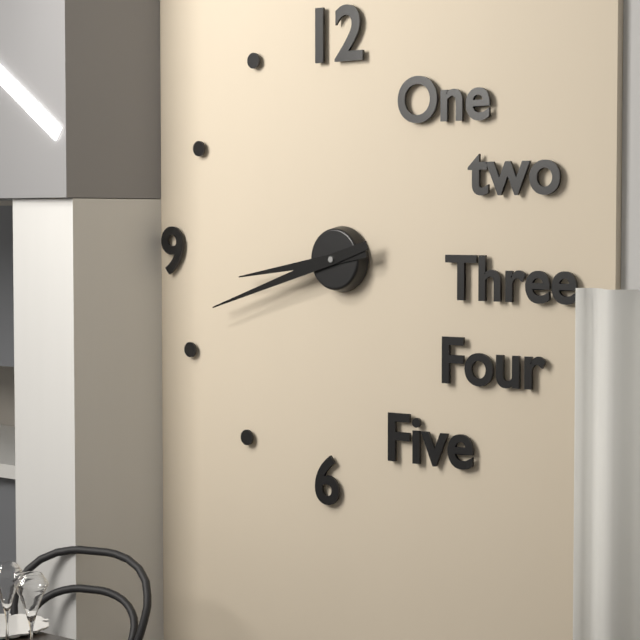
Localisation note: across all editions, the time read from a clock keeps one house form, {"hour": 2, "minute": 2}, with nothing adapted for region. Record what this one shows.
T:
{"hour": 8, "minute": 42}
